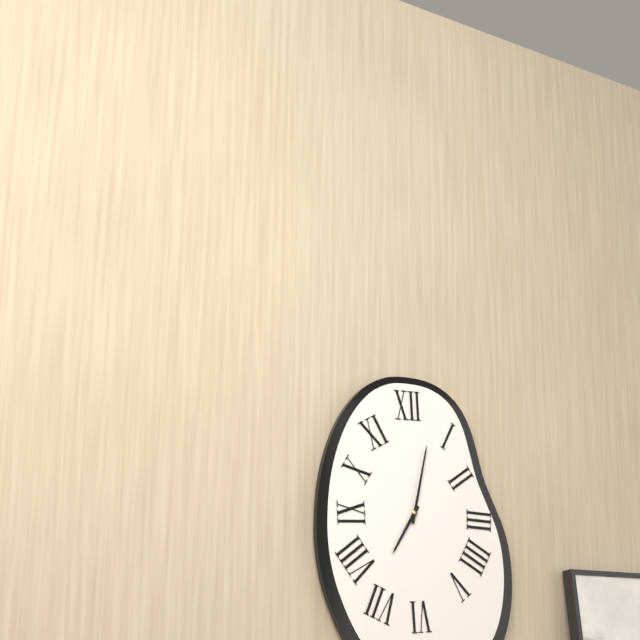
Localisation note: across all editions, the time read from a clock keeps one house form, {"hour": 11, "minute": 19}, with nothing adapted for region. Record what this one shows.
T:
{"hour": 7, "minute": 2}
